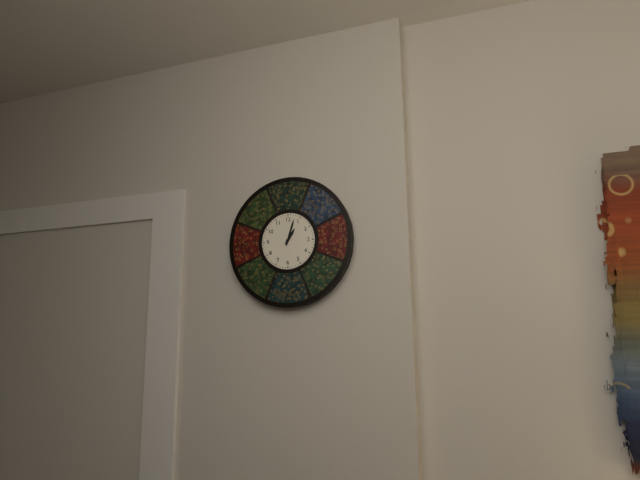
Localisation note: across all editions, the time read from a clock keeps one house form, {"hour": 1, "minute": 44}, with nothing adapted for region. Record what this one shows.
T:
{"hour": 1, "minute": 3}
